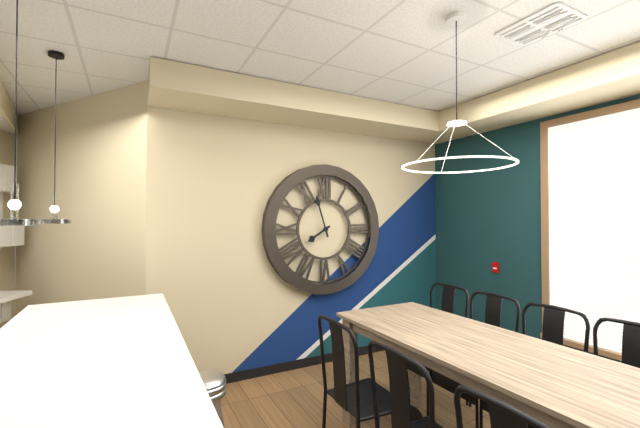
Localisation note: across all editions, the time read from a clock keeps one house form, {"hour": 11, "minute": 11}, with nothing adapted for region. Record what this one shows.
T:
{"hour": 7, "minute": 57}
